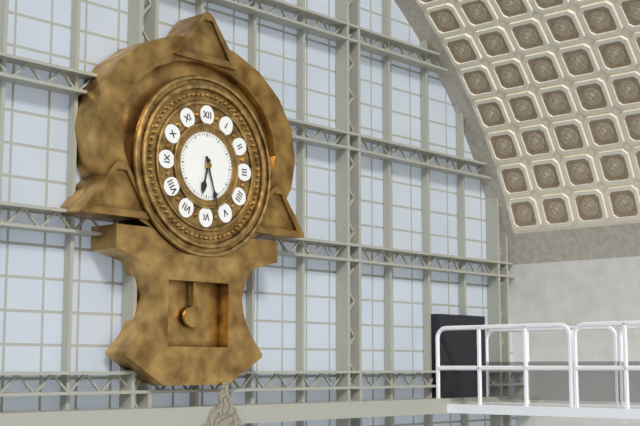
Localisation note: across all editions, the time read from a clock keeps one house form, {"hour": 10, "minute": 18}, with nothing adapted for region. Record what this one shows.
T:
{"hour": 6, "minute": 27}
